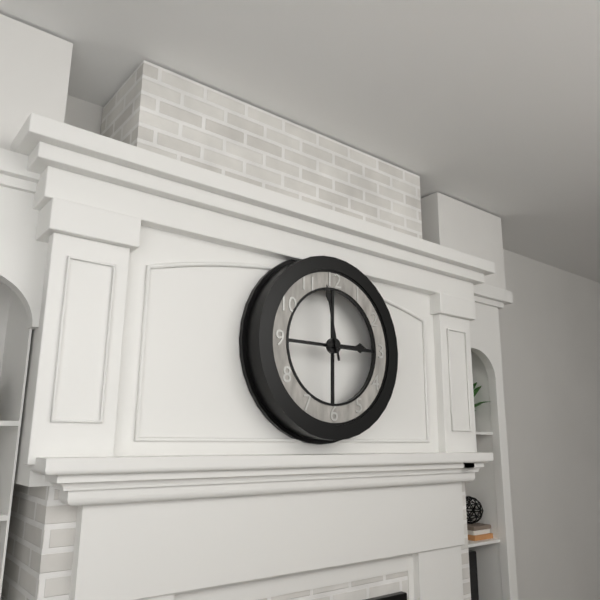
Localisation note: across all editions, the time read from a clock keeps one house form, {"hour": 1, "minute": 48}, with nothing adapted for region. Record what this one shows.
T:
{"hour": 2, "minute": 58}
